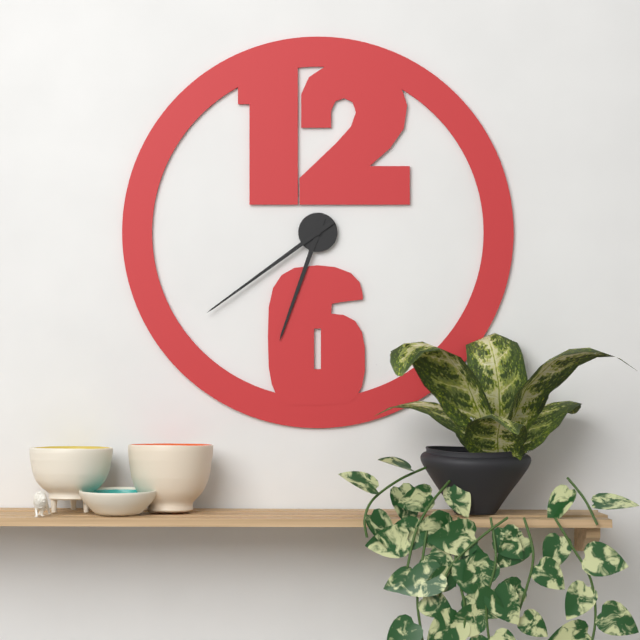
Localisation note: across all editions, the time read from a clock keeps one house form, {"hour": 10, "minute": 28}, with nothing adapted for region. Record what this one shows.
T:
{"hour": 6, "minute": 39}
